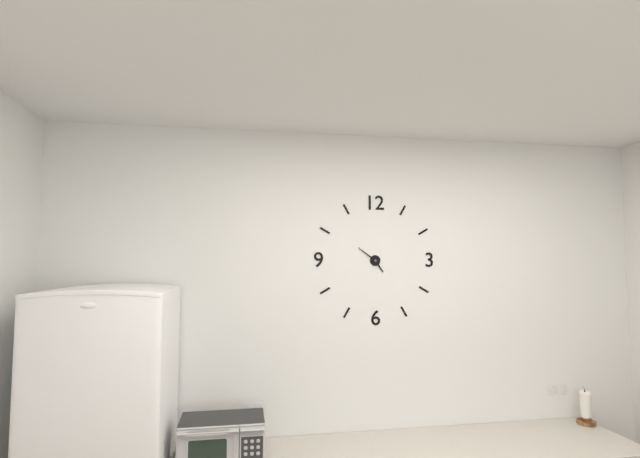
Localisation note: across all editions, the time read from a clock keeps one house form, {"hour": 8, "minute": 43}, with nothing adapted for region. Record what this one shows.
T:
{"hour": 4, "minute": 51}
